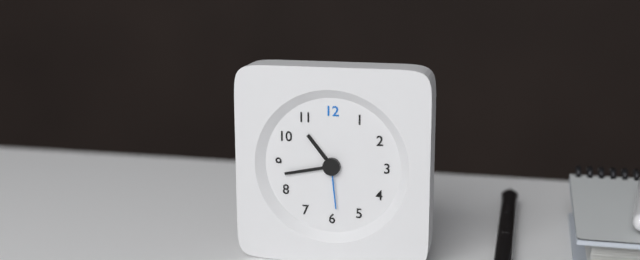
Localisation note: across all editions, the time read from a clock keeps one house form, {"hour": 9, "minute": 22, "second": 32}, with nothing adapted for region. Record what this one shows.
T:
{"hour": 10, "minute": 43, "second": 29}
